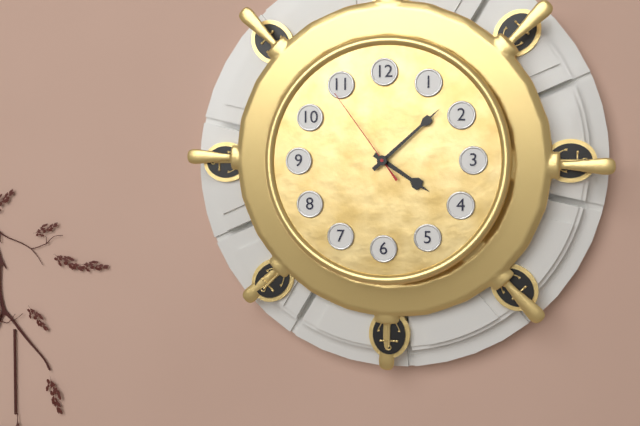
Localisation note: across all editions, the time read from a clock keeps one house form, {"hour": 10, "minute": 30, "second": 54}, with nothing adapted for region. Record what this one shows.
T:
{"hour": 4, "minute": 8, "second": 54}
